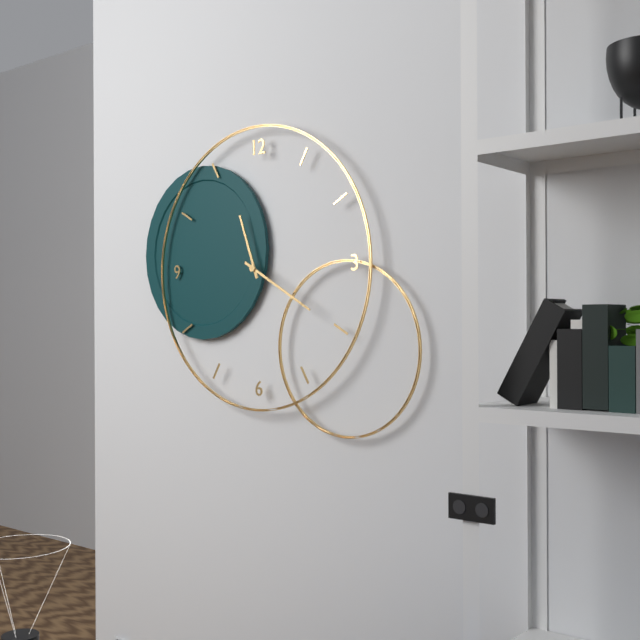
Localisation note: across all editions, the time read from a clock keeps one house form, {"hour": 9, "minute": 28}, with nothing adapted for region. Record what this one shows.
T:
{"hour": 11, "minute": 20}
